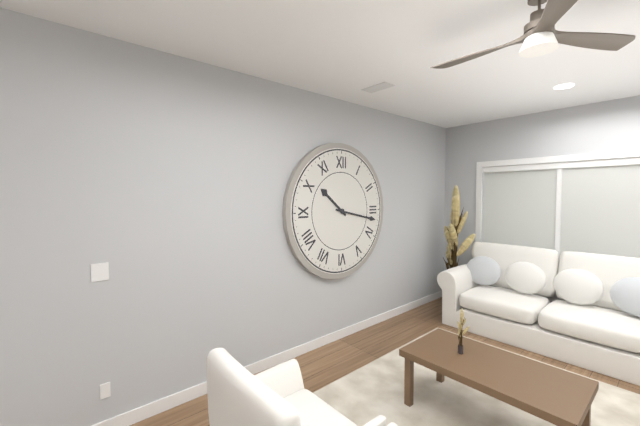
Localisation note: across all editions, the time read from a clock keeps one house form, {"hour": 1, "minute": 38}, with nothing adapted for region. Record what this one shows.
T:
{"hour": 10, "minute": 17}
